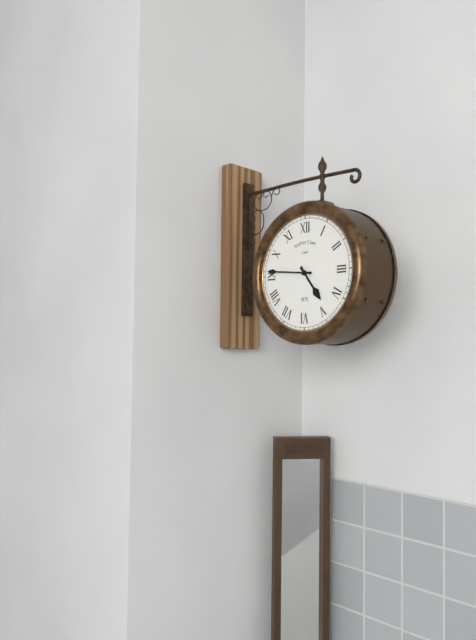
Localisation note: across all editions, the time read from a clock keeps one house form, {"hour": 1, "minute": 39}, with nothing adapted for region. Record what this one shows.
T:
{"hour": 4, "minute": 46}
